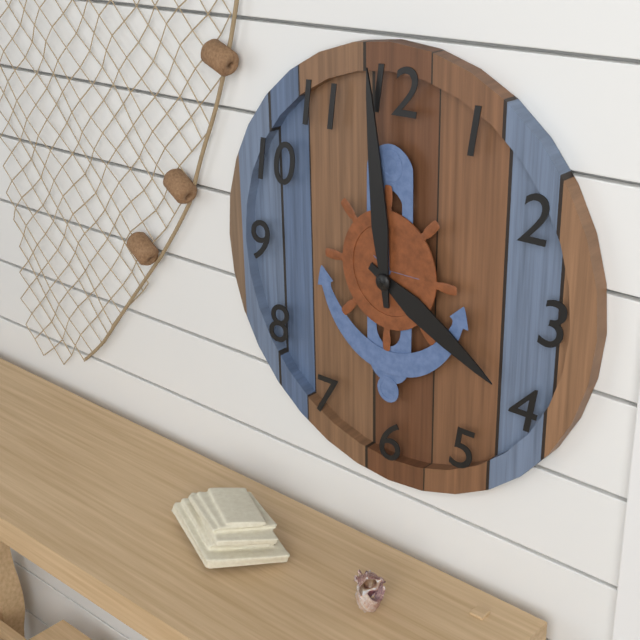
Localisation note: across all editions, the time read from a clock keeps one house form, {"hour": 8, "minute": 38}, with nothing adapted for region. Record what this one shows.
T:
{"hour": 3, "minute": 59}
